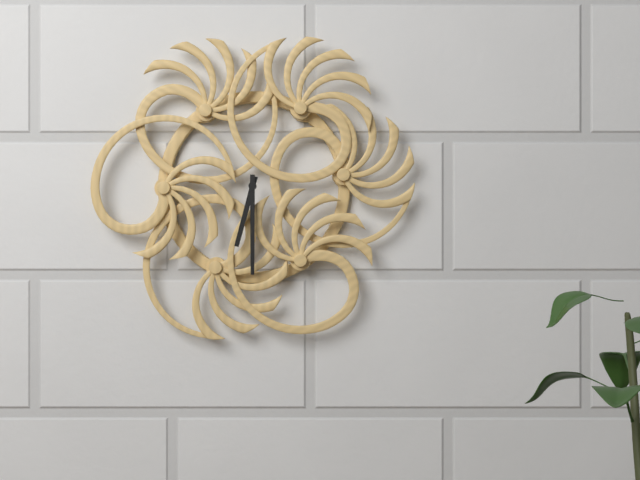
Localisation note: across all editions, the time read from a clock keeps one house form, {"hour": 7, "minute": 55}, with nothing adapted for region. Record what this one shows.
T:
{"hour": 6, "minute": 30}
